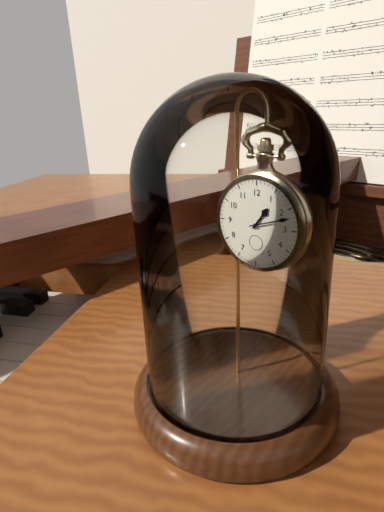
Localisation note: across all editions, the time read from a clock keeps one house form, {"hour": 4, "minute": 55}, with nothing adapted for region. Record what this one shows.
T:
{"hour": 1, "minute": 12}
